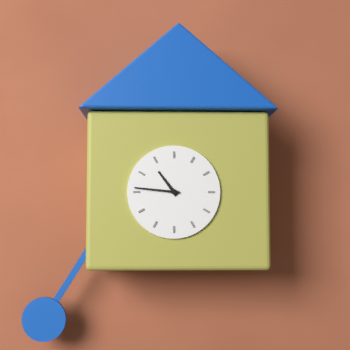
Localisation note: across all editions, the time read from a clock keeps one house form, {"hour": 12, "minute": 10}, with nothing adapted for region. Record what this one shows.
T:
{"hour": 10, "minute": 46}
